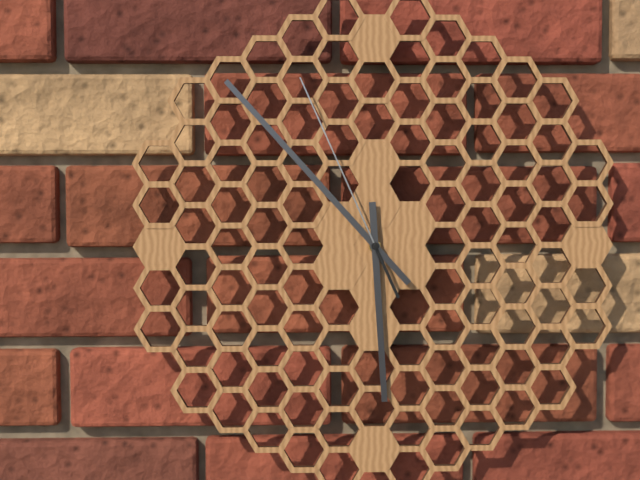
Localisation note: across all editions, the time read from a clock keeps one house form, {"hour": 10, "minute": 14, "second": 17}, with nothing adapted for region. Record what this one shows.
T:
{"hour": 5, "minute": 53, "second": 56}
